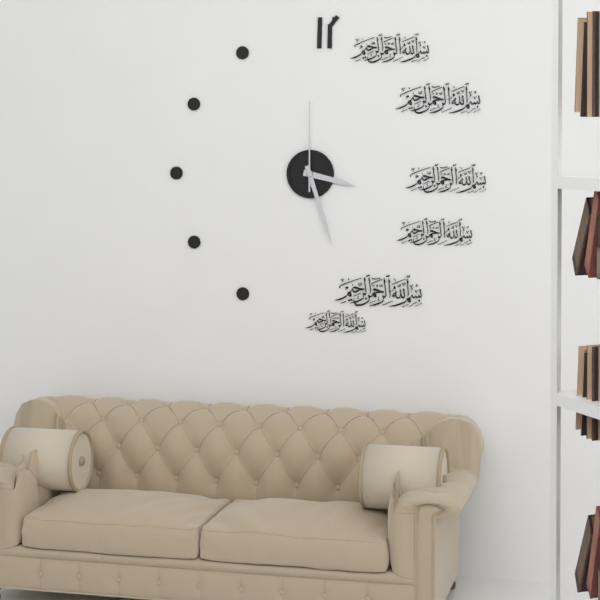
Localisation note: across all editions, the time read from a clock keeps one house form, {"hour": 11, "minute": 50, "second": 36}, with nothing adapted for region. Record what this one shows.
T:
{"hour": 3, "minute": 27, "second": 0}
